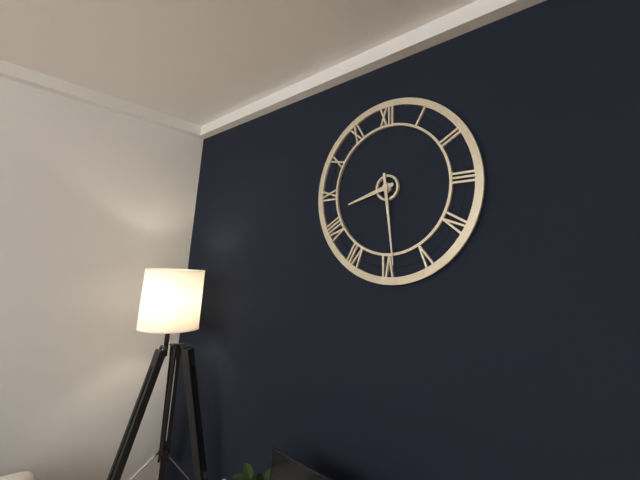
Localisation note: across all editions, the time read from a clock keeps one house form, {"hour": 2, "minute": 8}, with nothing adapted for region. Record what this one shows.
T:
{"hour": 8, "minute": 29}
